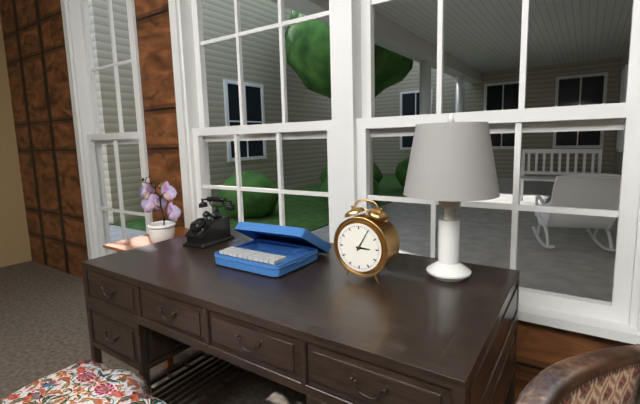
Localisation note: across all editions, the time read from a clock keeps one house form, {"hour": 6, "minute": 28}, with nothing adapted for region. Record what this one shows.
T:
{"hour": 3, "minute": 5}
